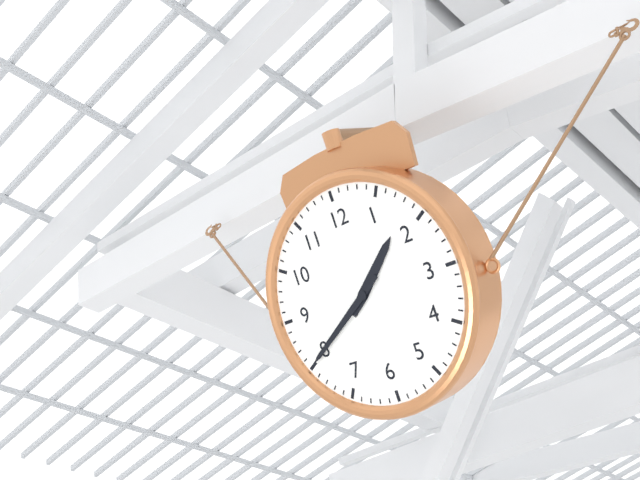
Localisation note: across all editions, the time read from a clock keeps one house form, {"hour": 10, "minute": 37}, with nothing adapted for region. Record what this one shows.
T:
{"hour": 1, "minute": 40}
